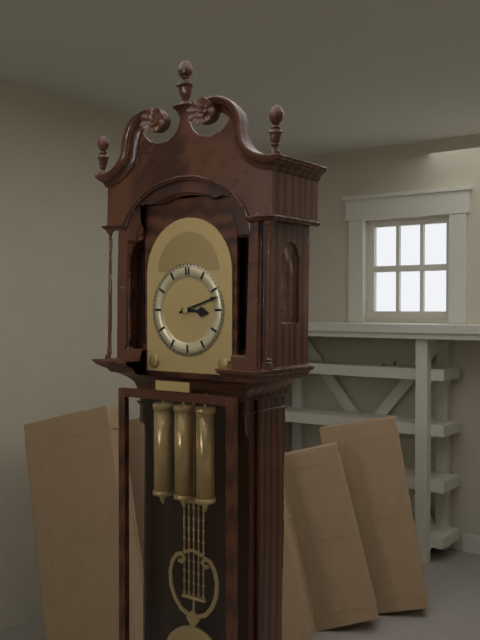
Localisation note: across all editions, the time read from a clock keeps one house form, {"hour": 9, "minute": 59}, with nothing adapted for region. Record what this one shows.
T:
{"hour": 3, "minute": 12}
